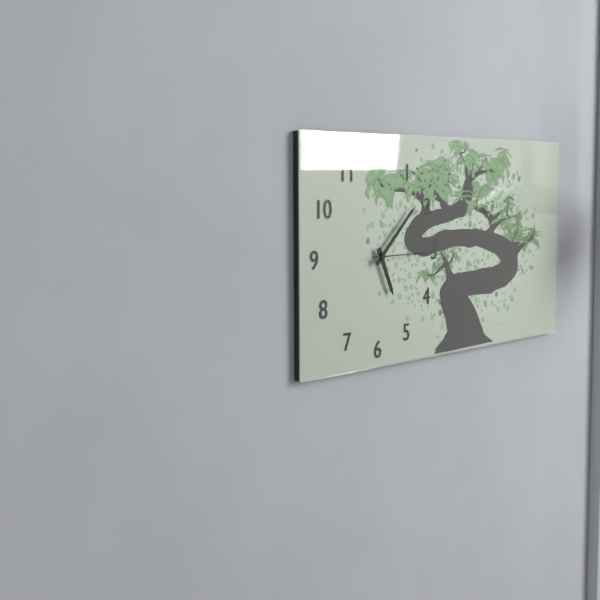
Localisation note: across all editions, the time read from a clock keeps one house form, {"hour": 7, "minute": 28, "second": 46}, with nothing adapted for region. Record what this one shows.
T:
{"hour": 5, "minute": 8, "second": 15}
